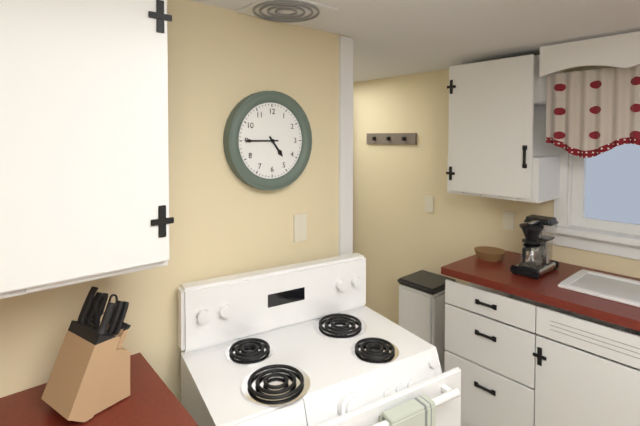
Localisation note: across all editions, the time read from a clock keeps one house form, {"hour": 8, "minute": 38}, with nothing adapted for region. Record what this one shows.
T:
{"hour": 4, "minute": 45}
